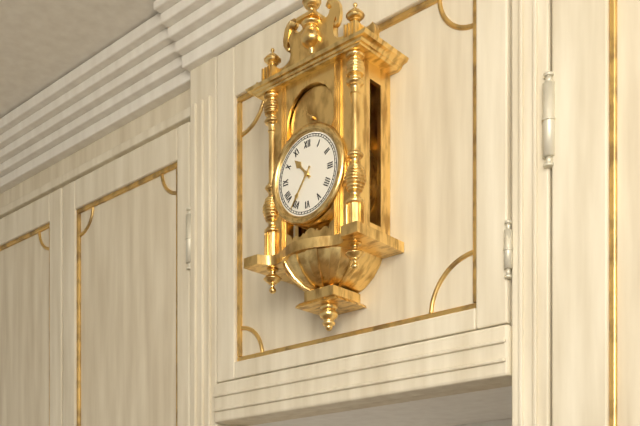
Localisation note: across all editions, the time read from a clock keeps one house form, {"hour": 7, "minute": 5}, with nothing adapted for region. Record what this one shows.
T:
{"hour": 10, "minute": 36}
